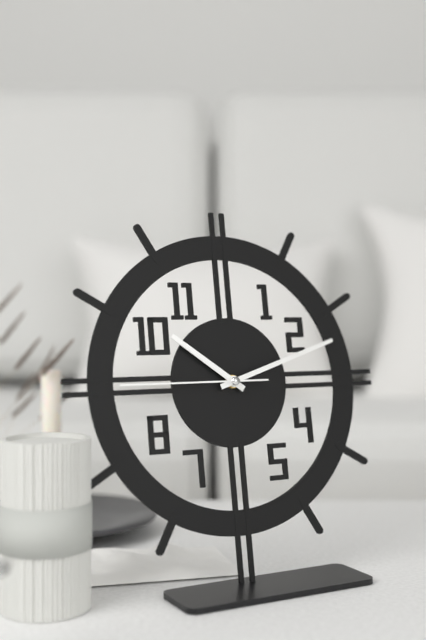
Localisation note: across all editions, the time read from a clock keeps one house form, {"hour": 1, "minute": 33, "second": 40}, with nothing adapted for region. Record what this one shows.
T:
{"hour": 10, "minute": 12, "second": 45}
